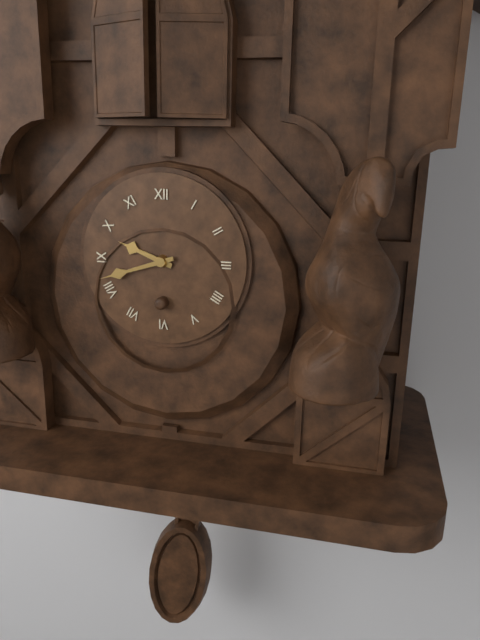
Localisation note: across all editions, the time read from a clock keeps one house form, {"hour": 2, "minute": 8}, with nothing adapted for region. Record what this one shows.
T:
{"hour": 9, "minute": 42}
